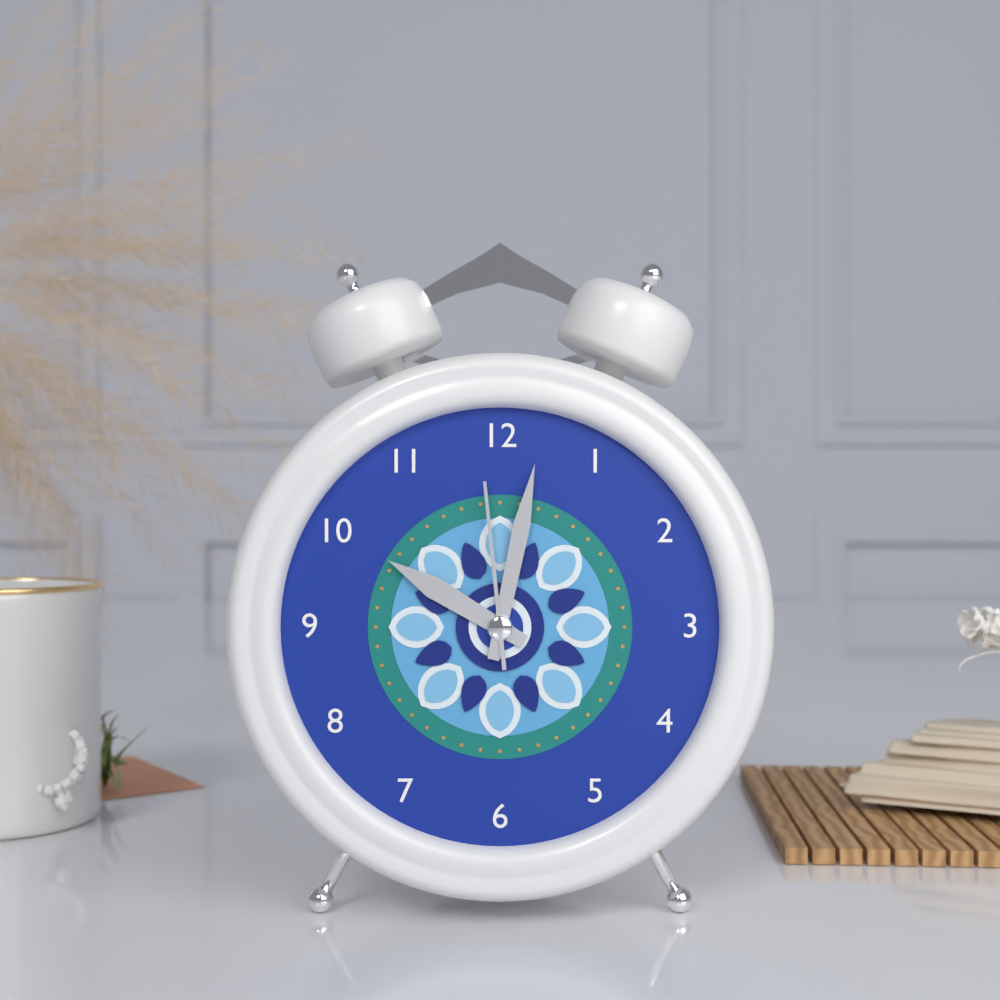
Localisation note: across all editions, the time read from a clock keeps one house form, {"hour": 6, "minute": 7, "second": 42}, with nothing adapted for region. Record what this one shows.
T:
{"hour": 10, "minute": 2, "second": 59}
